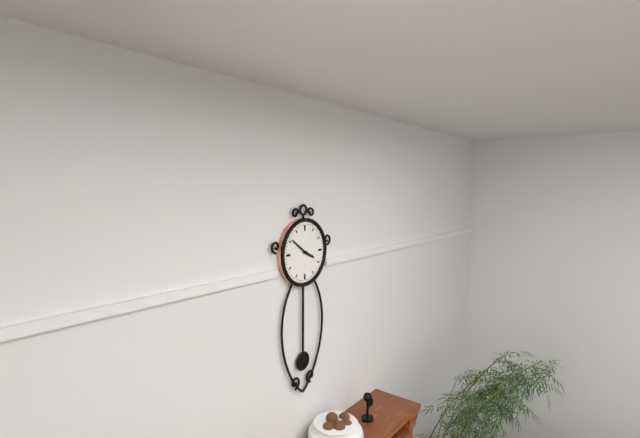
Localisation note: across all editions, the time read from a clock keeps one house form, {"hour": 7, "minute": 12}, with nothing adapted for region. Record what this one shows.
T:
{"hour": 3, "minute": 51}
